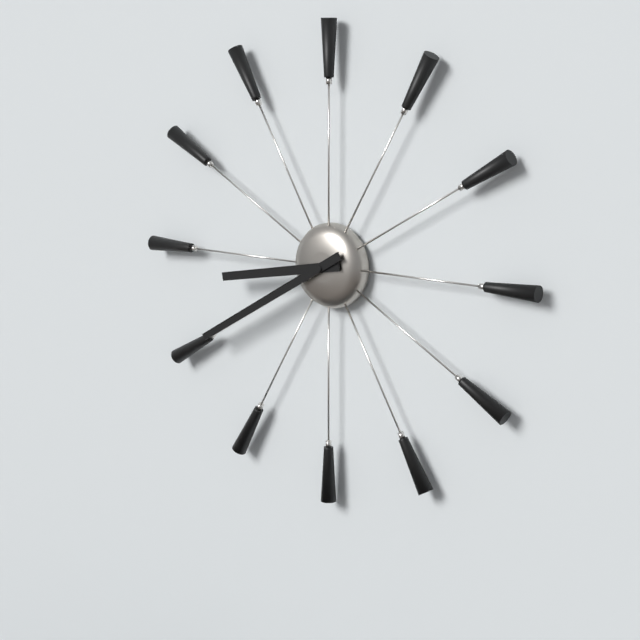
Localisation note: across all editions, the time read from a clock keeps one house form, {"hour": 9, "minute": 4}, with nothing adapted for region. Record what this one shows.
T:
{"hour": 8, "minute": 40}
